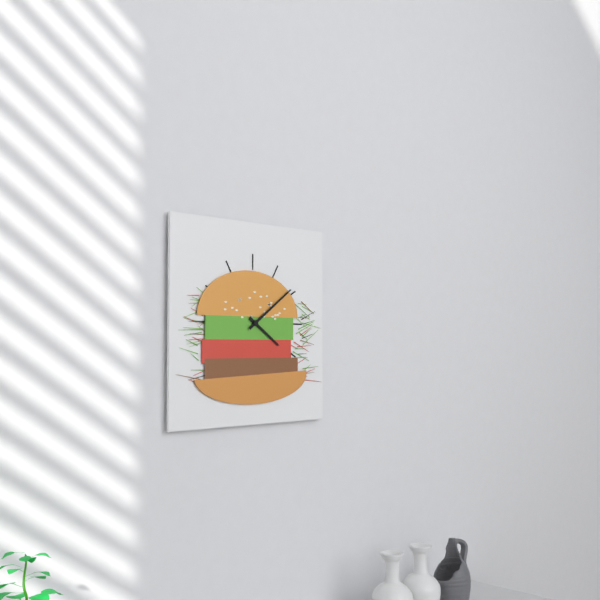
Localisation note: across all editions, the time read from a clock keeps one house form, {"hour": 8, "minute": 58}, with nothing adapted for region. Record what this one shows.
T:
{"hour": 4, "minute": 9}
